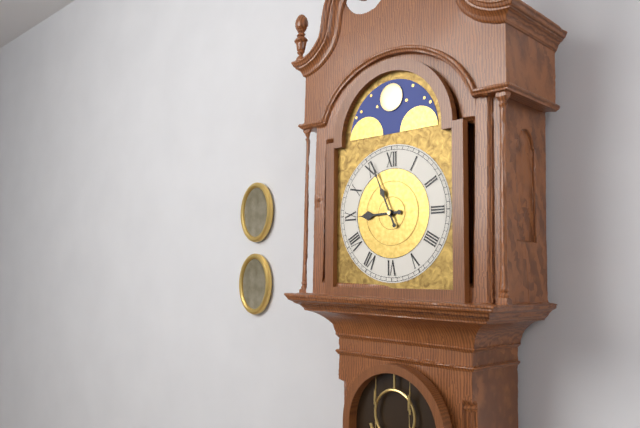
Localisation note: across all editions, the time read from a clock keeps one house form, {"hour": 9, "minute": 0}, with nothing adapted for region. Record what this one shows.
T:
{"hour": 8, "minute": 56}
